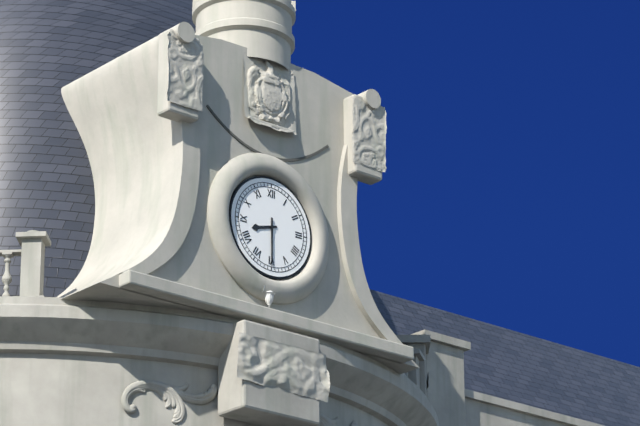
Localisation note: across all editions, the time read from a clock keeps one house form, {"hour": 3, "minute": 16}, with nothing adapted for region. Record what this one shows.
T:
{"hour": 8, "minute": 30}
